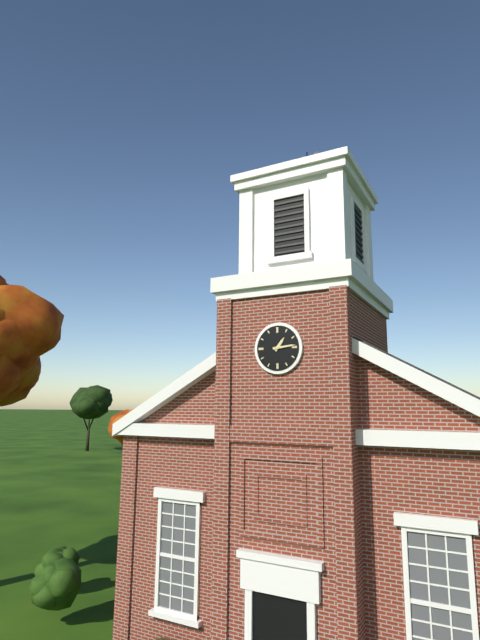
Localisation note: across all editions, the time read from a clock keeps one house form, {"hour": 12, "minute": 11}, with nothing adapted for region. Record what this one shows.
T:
{"hour": 1, "minute": 14}
